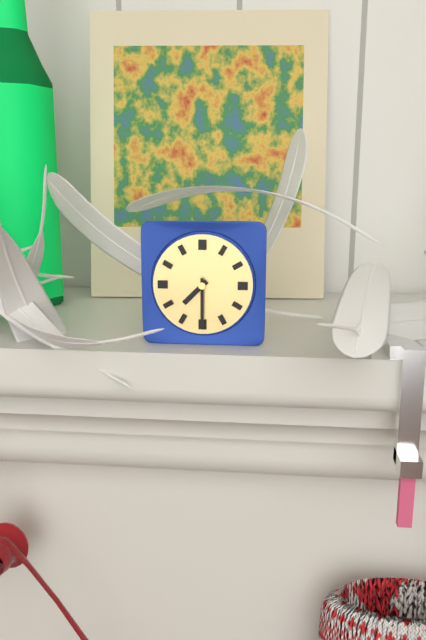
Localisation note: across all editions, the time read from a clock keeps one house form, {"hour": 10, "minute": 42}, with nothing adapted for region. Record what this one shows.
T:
{"hour": 7, "minute": 30}
